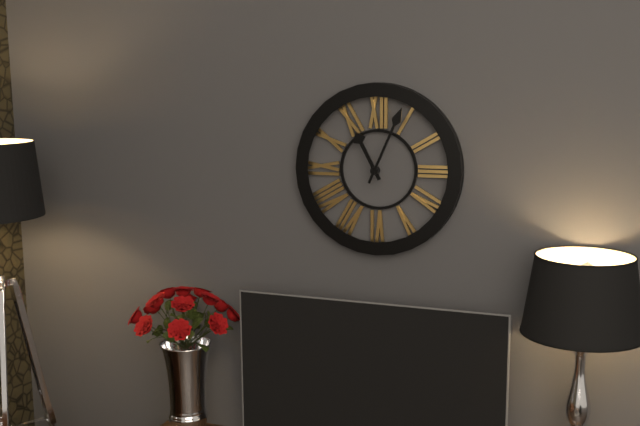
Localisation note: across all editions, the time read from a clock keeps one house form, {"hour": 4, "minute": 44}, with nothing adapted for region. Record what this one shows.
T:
{"hour": 11, "minute": 4}
